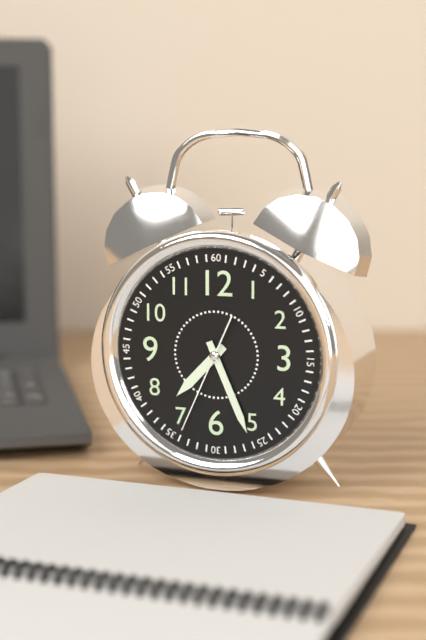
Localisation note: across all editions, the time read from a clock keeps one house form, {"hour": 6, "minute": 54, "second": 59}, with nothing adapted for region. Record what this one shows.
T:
{"hour": 7, "minute": 26, "second": 34}
